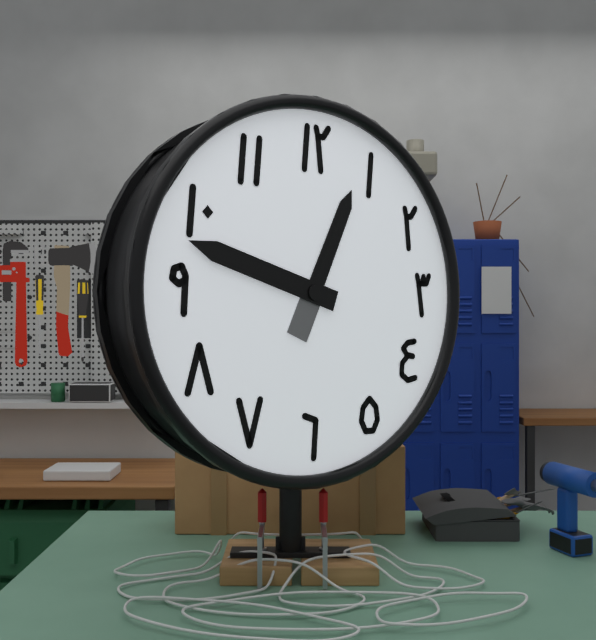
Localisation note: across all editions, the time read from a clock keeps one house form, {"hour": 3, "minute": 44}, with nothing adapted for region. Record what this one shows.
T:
{"hour": 12, "minute": 48}
